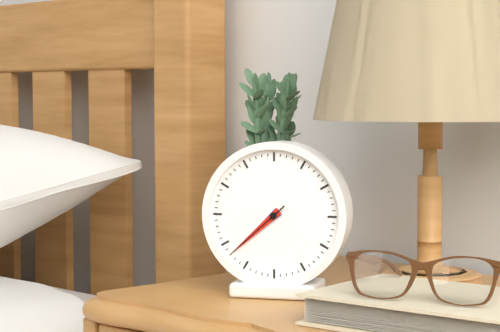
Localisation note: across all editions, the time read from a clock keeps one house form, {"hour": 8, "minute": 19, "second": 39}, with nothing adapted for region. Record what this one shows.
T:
{"hour": 7, "minute": 38, "second": 38}
